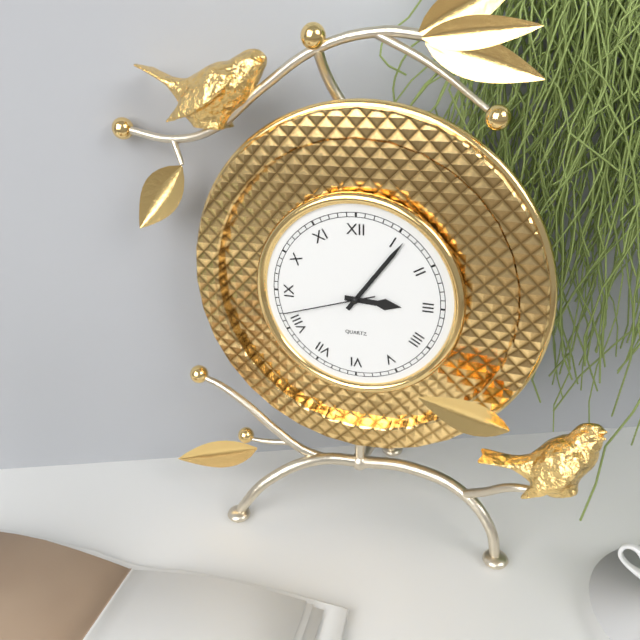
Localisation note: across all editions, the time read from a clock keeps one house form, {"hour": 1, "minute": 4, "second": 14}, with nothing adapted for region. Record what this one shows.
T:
{"hour": 3, "minute": 6, "second": 42}
